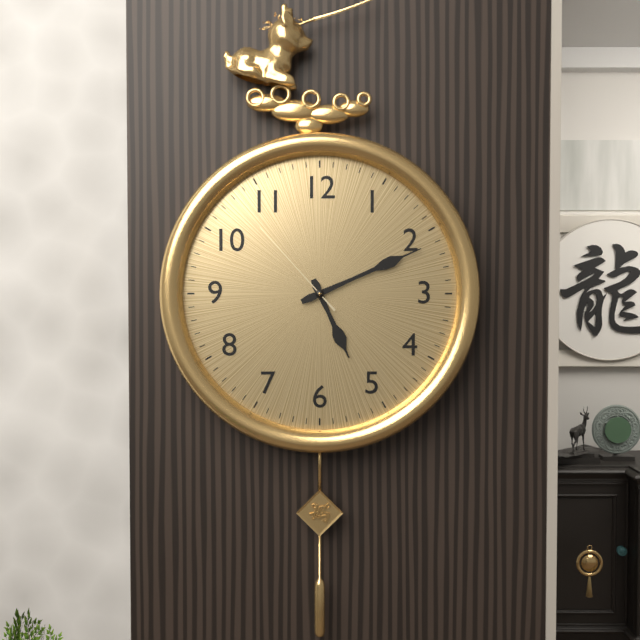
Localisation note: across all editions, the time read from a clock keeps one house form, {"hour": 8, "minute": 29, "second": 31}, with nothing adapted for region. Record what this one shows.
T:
{"hour": 5, "minute": 11, "second": 53}
